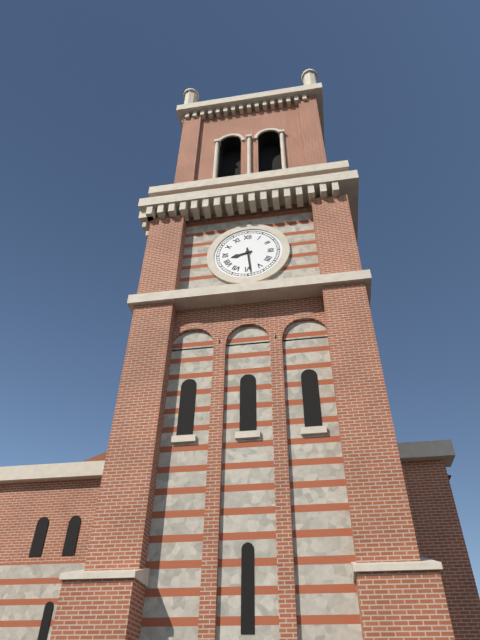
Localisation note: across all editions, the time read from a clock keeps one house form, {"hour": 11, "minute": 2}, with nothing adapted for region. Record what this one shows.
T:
{"hour": 8, "minute": 29}
